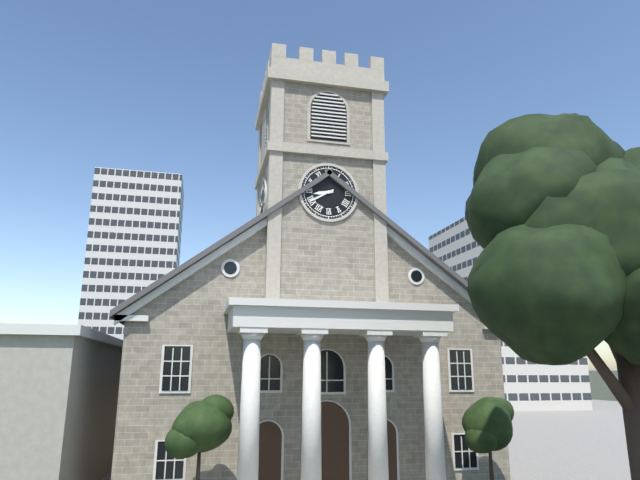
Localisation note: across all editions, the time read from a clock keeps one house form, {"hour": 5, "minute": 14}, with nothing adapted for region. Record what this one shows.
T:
{"hour": 8, "minute": 40}
